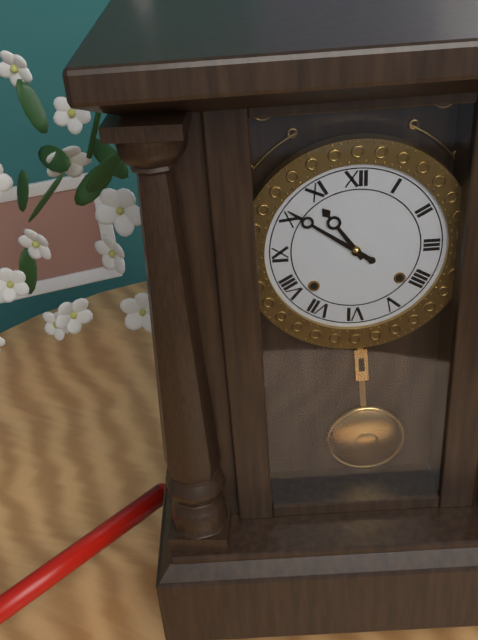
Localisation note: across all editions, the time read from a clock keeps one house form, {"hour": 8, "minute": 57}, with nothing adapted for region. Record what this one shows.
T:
{"hour": 10, "minute": 51}
